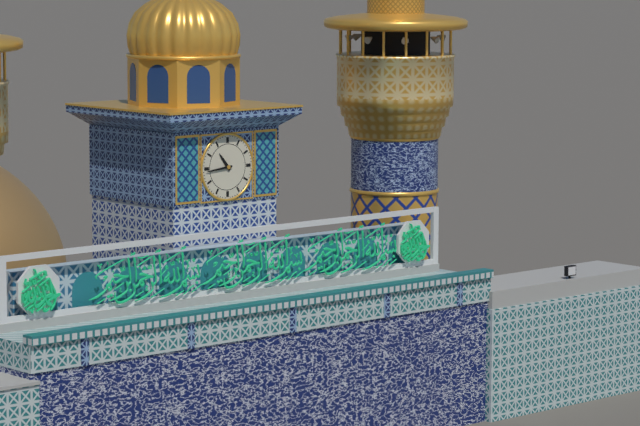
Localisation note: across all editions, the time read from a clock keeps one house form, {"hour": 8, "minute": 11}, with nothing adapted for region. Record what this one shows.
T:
{"hour": 10, "minute": 44}
